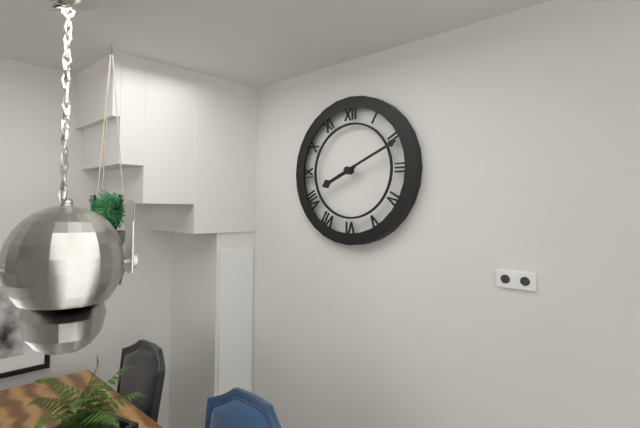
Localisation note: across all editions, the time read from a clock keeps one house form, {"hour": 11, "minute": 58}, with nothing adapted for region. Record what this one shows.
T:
{"hour": 8, "minute": 11}
